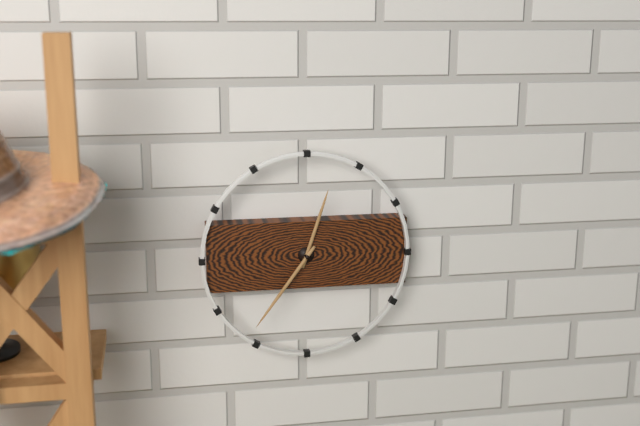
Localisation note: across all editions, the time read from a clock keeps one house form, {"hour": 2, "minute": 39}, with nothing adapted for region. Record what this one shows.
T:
{"hour": 12, "minute": 36}
